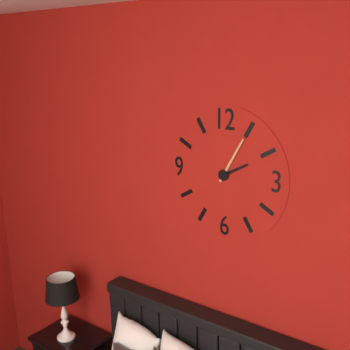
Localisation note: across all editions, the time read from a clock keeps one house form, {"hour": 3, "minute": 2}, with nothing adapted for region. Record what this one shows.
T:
{"hour": 2, "minute": 5}
